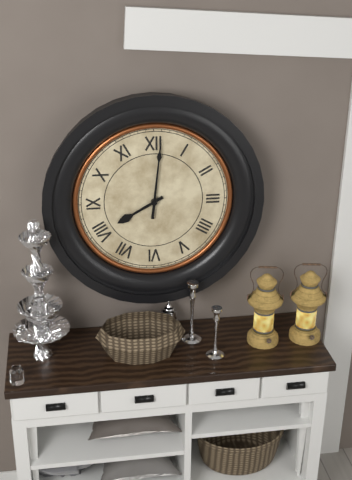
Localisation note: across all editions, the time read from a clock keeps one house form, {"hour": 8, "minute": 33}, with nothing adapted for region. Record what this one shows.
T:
{"hour": 8, "minute": 1}
